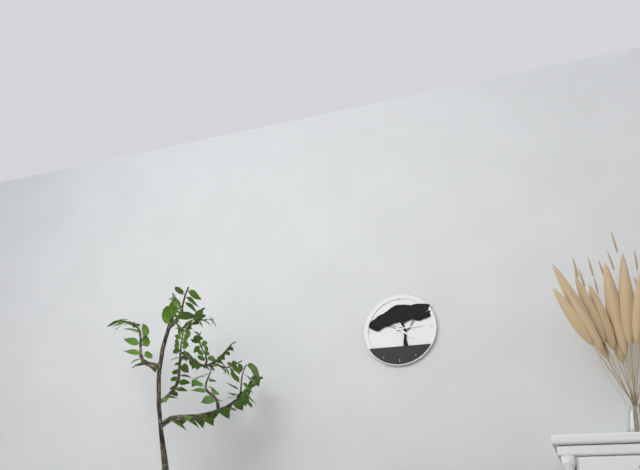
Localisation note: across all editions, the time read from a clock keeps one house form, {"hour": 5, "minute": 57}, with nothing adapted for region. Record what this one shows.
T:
{"hour": 4, "minute": 14}
